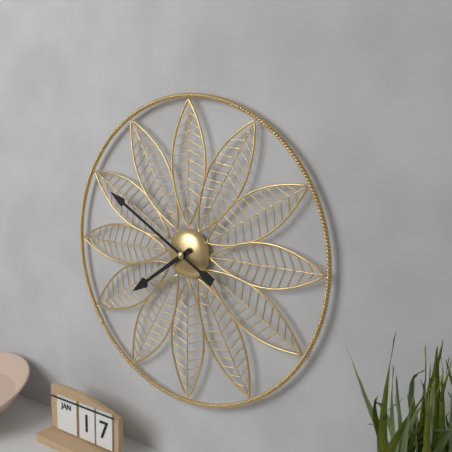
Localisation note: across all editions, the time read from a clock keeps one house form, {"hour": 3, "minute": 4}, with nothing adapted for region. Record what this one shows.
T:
{"hour": 7, "minute": 50}
